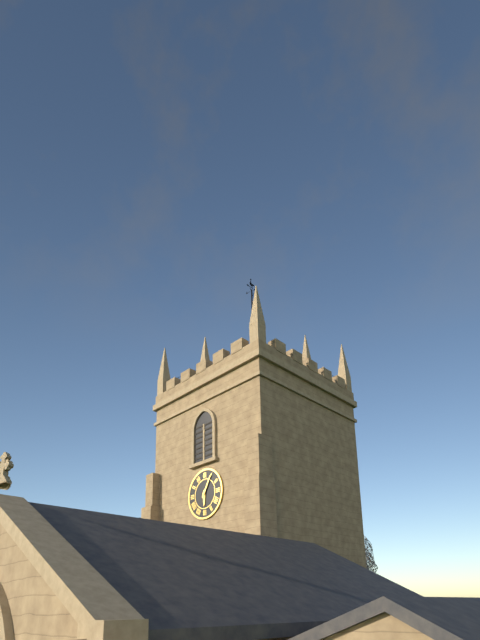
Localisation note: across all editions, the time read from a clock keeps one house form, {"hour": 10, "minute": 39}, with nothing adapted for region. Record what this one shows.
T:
{"hour": 6, "minute": 5}
